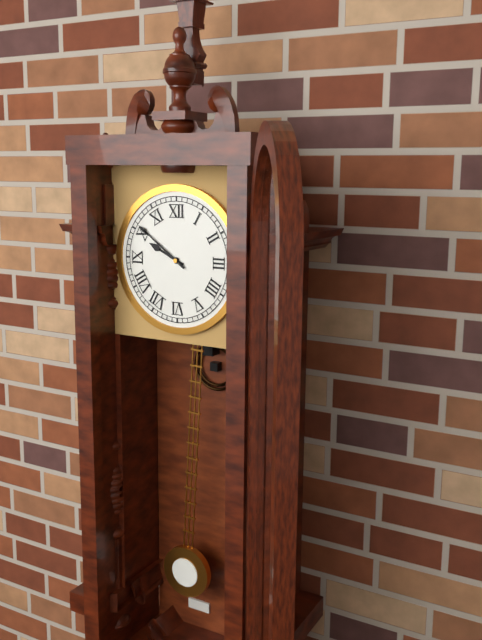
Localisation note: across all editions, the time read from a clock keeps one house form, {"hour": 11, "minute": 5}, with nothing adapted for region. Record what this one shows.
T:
{"hour": 9, "minute": 51}
